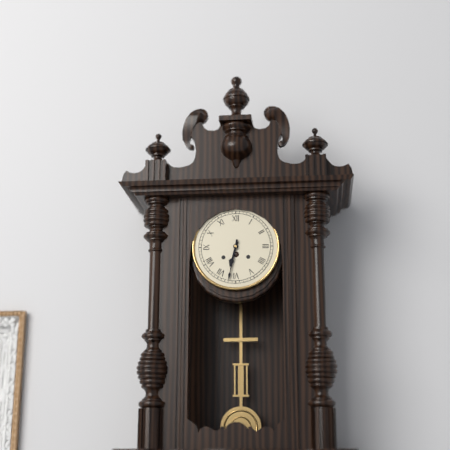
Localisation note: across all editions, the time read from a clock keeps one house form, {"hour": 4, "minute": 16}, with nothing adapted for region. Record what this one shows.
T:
{"hour": 6, "minute": 32}
